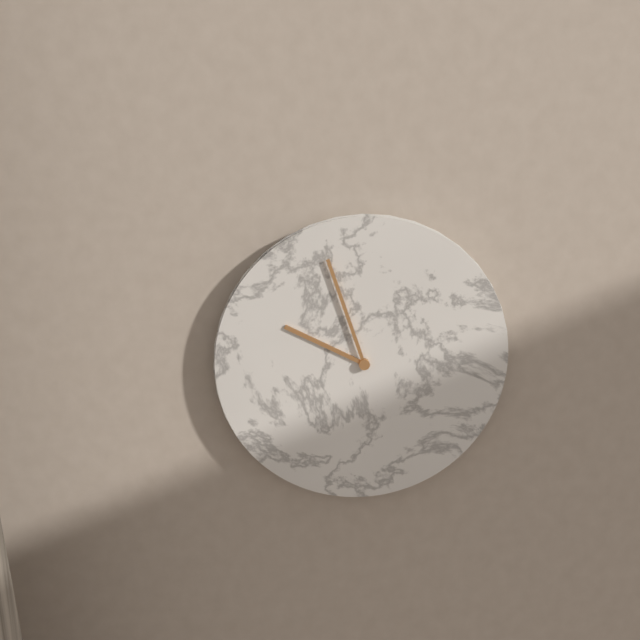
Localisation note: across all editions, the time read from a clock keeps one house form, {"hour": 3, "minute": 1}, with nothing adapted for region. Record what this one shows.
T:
{"hour": 9, "minute": 57}
